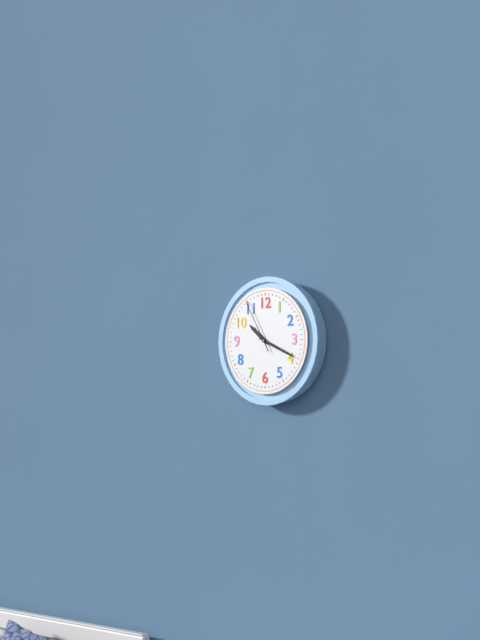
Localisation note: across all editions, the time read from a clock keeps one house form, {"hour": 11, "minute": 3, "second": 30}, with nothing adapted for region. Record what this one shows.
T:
{"hour": 10, "minute": 19, "second": 55}
